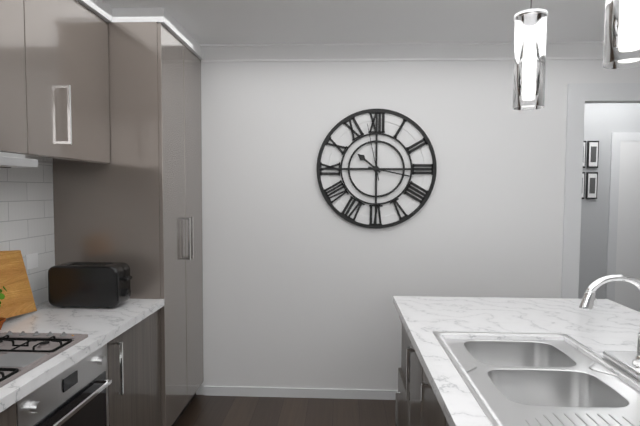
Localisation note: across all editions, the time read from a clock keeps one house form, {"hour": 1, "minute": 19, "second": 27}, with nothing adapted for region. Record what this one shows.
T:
{"hour": 10, "minute": 17, "second": 58}
